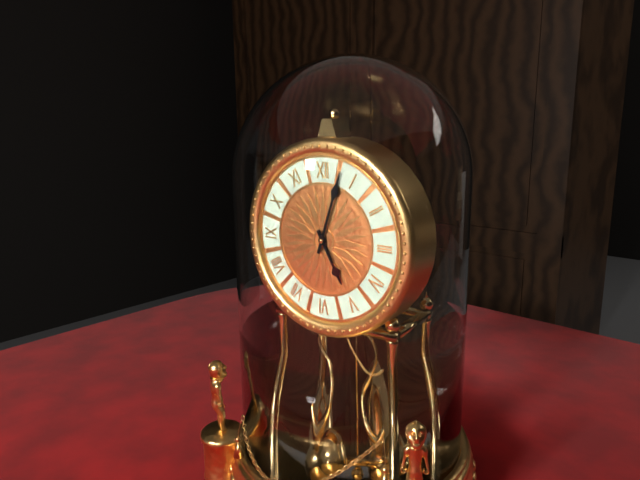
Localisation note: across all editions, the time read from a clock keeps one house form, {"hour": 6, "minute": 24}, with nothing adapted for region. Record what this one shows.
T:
{"hour": 5, "minute": 3}
